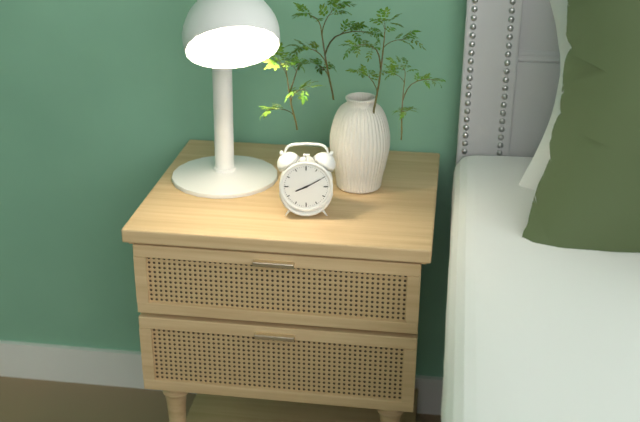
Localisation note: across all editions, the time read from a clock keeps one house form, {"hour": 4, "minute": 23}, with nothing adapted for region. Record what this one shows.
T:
{"hour": 8, "minute": 10}
